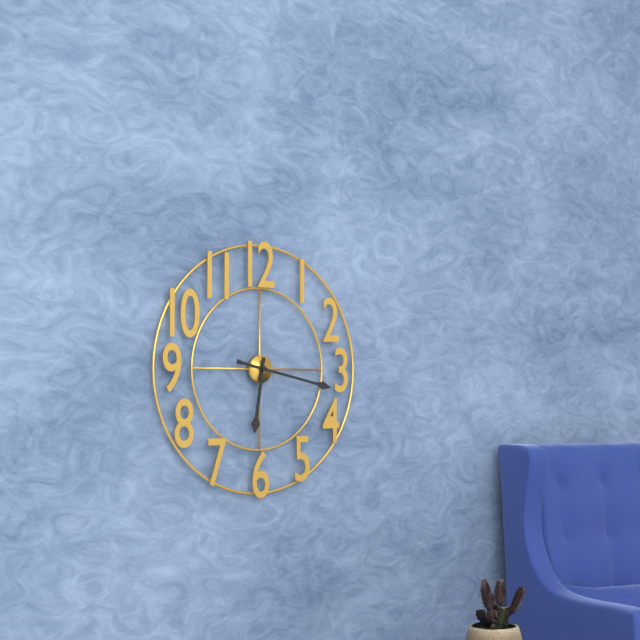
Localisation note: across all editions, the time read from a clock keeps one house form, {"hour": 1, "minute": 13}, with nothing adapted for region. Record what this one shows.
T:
{"hour": 6, "minute": 17}
